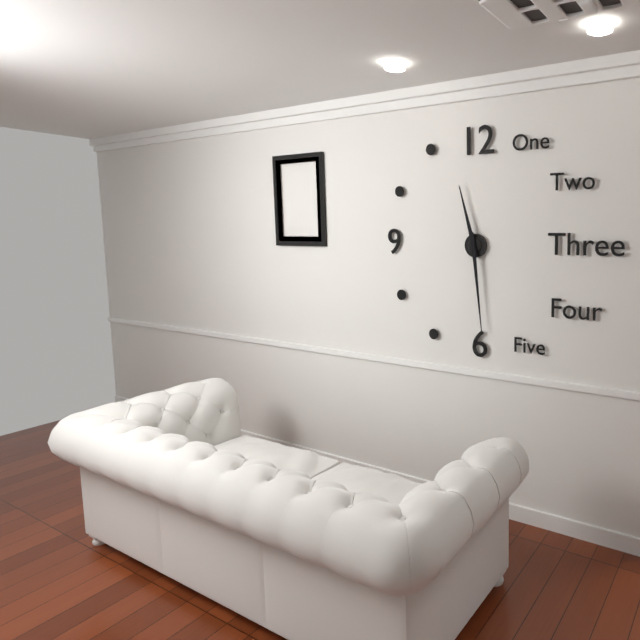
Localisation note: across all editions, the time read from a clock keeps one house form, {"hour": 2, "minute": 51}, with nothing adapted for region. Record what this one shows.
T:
{"hour": 11, "minute": 29}
